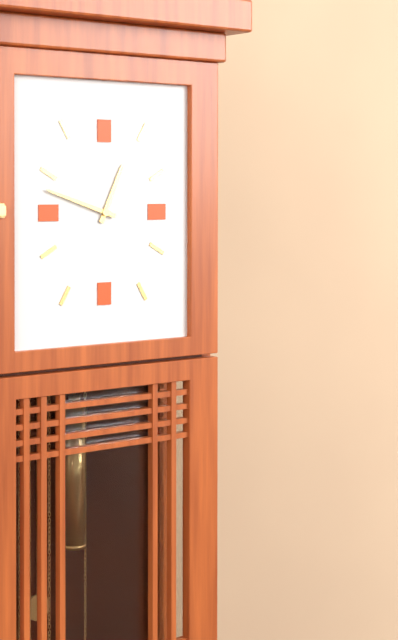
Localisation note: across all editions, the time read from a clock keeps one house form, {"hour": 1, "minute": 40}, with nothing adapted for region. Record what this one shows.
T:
{"hour": 12, "minute": 48}
